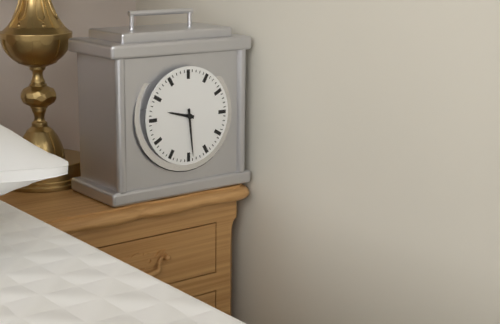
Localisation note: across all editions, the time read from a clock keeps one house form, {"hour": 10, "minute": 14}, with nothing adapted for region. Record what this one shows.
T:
{"hour": 9, "minute": 29}
